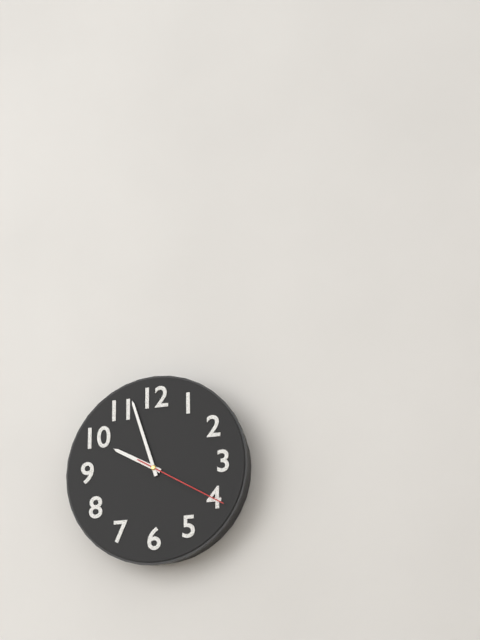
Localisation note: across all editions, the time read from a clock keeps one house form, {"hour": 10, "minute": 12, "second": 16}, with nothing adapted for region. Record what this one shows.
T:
{"hour": 9, "minute": 57, "second": 20}
